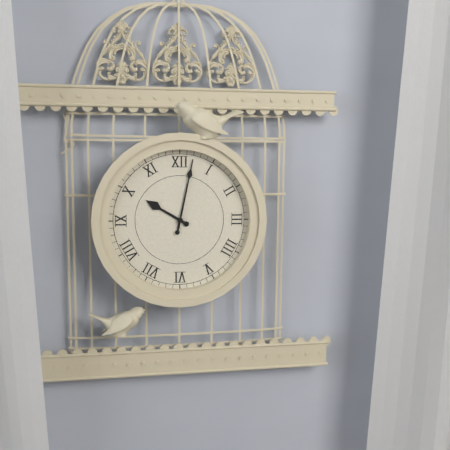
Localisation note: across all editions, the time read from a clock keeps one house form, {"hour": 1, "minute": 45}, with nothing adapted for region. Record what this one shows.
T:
{"hour": 10, "minute": 2}
